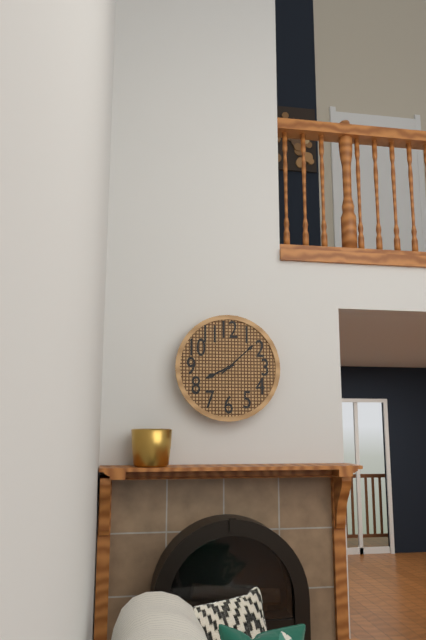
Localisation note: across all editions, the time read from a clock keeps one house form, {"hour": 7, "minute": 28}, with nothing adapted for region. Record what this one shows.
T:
{"hour": 8, "minute": 8}
